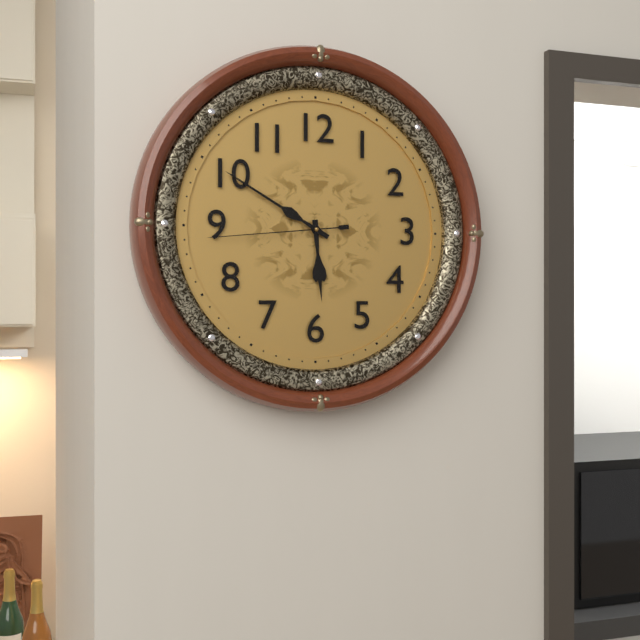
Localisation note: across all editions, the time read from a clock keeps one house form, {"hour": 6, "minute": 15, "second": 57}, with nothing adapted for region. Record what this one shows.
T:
{"hour": 5, "minute": 50, "second": 44}
